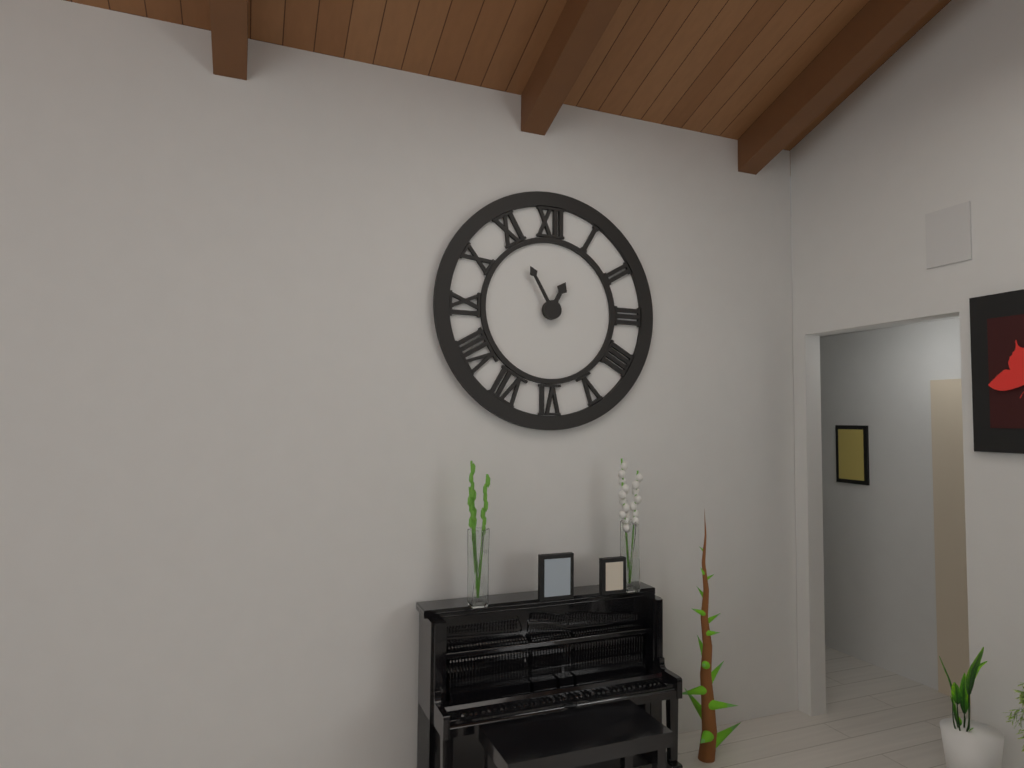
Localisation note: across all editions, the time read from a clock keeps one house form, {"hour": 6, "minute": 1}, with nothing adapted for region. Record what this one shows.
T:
{"hour": 12, "minute": 55}
